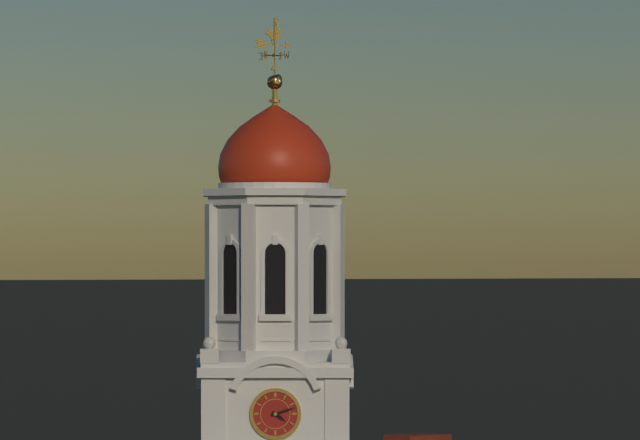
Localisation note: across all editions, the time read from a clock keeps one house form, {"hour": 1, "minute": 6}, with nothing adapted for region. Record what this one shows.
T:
{"hour": 4, "minute": 12}
